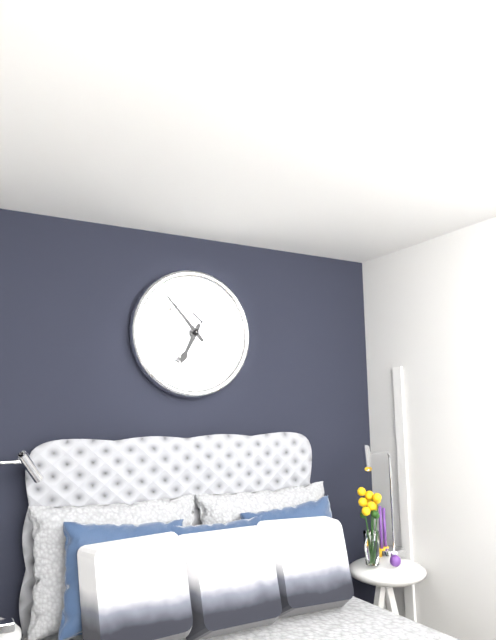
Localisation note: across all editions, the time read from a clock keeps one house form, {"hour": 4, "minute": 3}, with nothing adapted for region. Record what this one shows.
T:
{"hour": 6, "minute": 53}
